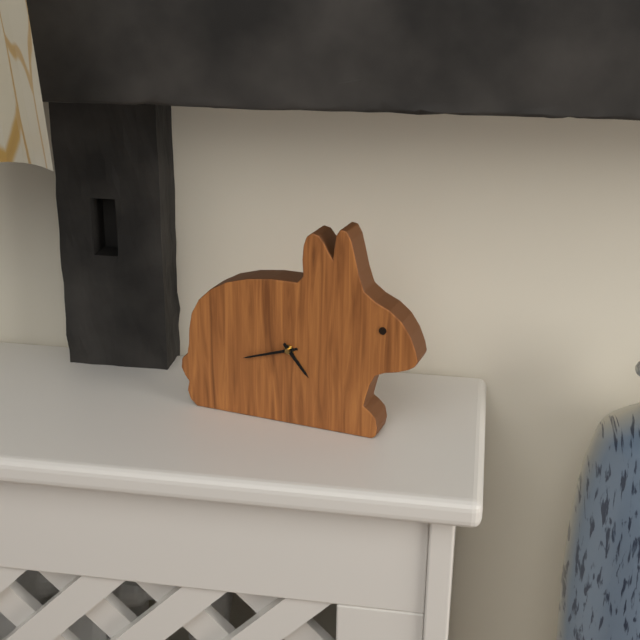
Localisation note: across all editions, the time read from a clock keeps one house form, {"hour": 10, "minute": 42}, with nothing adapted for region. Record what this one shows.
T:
{"hour": 4, "minute": 42}
